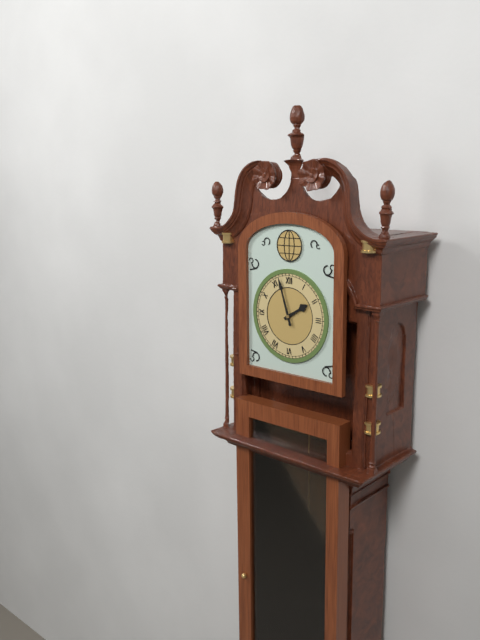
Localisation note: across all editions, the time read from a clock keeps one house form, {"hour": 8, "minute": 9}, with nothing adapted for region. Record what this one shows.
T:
{"hour": 1, "minute": 57}
